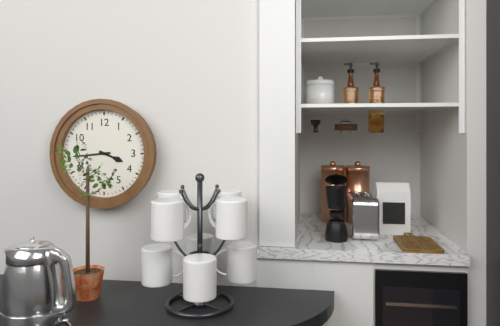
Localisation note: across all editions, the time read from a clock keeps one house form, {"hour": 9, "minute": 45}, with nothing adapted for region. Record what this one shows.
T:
{"hour": 3, "minute": 44}
